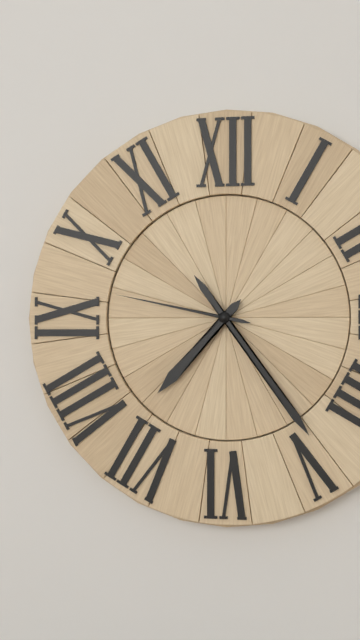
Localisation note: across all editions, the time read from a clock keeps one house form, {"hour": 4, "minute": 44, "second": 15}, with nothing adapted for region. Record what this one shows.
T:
{"hour": 7, "minute": 24, "second": 47}
